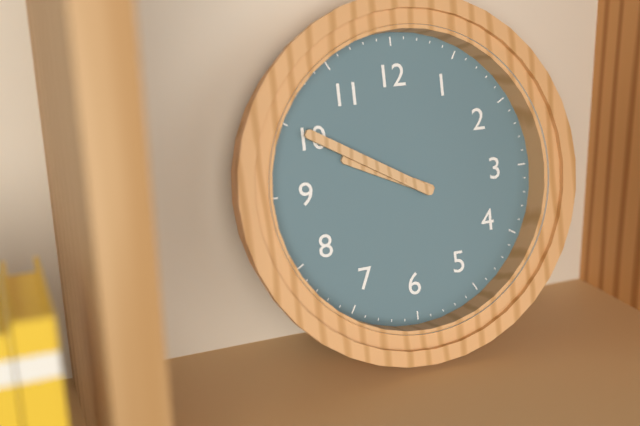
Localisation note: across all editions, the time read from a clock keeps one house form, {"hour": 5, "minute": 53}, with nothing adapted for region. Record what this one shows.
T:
{"hour": 9, "minute": 50}
